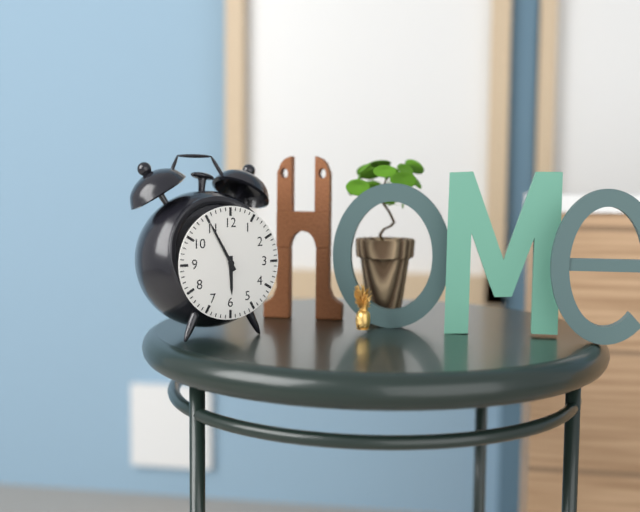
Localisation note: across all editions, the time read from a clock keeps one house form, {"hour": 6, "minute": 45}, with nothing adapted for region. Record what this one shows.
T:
{"hour": 5, "minute": 55}
